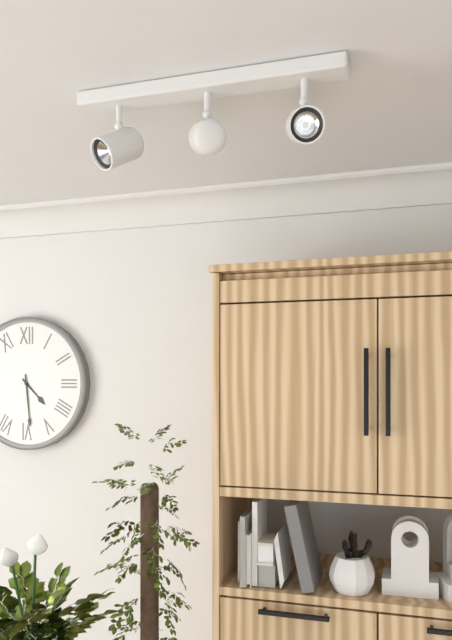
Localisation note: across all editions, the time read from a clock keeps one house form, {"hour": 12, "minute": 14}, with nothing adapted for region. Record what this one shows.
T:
{"hour": 4, "minute": 29}
